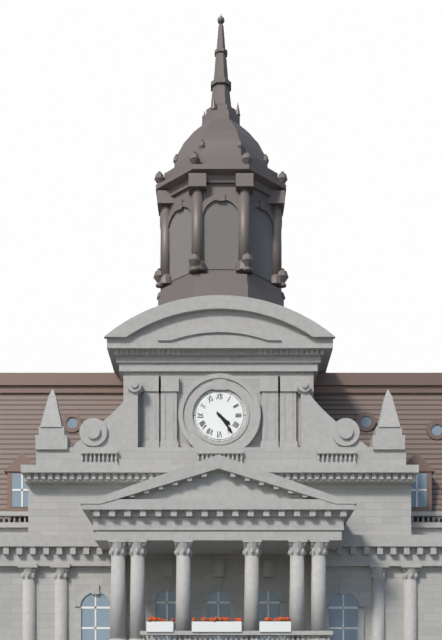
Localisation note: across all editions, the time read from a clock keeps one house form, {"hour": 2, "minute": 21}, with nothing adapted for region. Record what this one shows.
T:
{"hour": 4, "minute": 24}
